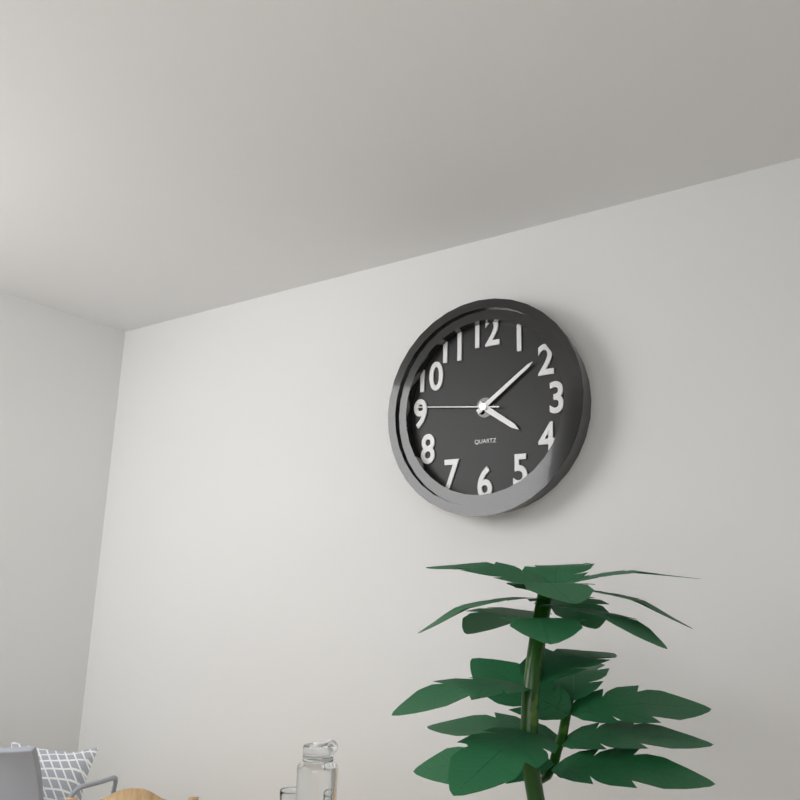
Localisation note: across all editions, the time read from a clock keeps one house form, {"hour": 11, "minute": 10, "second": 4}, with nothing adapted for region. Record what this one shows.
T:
{"hour": 4, "minute": 9, "second": 46}
